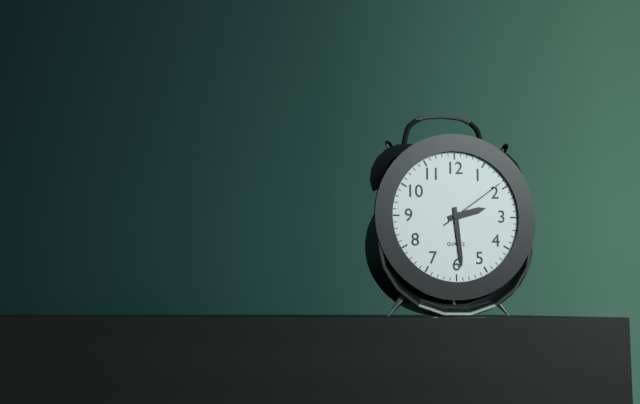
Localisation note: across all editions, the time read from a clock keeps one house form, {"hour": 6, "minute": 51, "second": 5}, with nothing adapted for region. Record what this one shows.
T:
{"hour": 2, "minute": 29, "second": 9}
